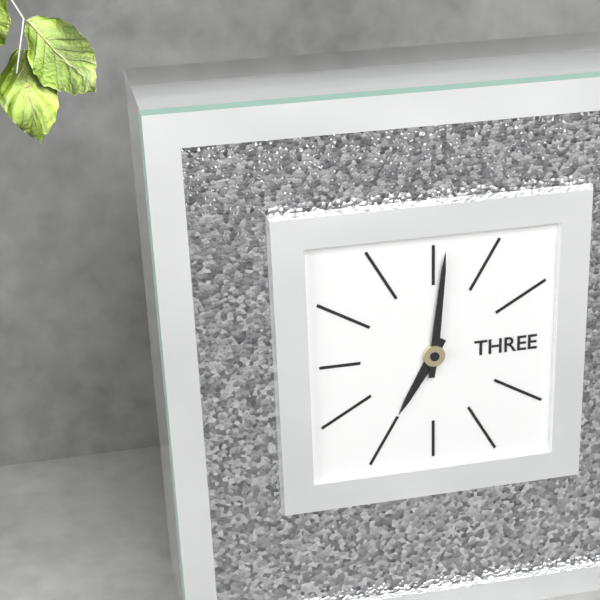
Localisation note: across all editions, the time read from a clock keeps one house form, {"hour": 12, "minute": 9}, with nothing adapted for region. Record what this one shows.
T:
{"hour": 7, "minute": 1}
